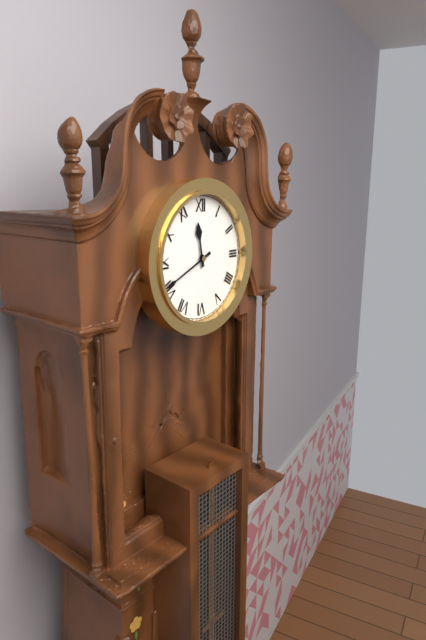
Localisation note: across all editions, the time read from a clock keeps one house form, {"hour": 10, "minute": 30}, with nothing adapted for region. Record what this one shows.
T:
{"hour": 11, "minute": 41}
